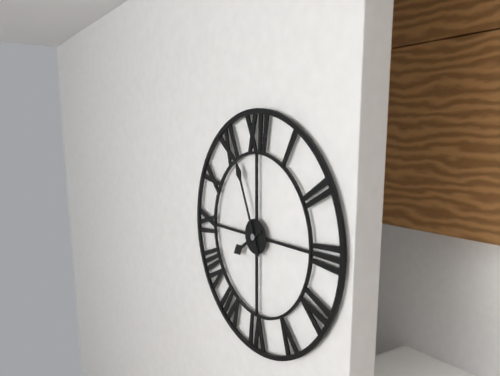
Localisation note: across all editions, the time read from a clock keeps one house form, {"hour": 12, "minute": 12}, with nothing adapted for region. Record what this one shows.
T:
{"hour": 7, "minute": 56}
